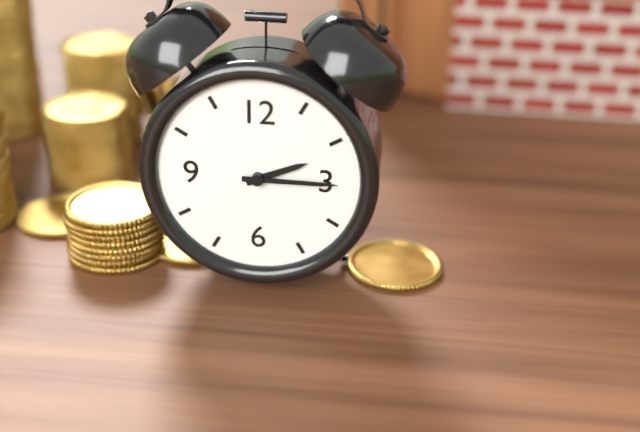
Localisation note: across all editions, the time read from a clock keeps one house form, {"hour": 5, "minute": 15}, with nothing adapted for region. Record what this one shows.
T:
{"hour": 2, "minute": 15}
